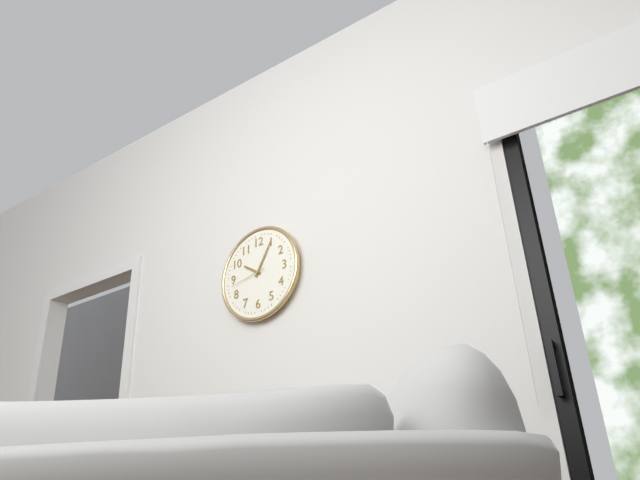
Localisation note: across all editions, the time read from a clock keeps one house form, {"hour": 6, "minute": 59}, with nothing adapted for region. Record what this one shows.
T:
{"hour": 10, "minute": 5}
